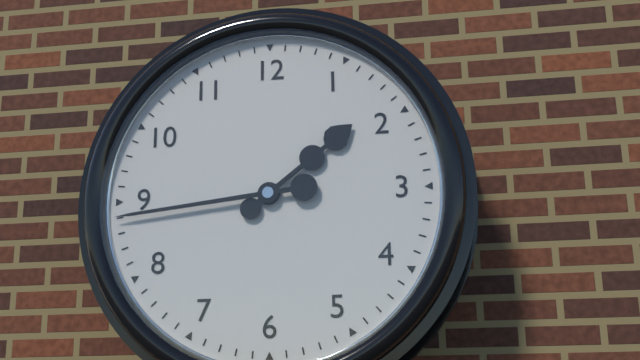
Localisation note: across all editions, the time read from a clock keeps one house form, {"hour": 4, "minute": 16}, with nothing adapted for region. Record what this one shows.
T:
{"hour": 1, "minute": 44}
